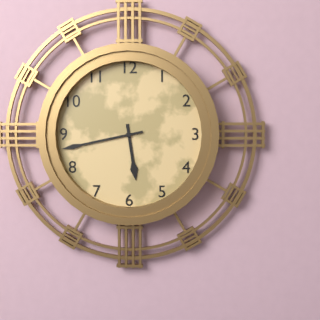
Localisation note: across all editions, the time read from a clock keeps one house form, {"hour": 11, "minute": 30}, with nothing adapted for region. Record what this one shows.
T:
{"hour": 5, "minute": 43}
